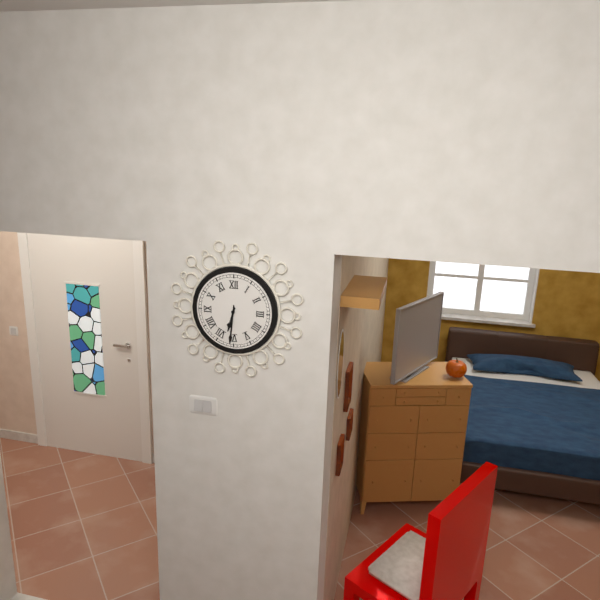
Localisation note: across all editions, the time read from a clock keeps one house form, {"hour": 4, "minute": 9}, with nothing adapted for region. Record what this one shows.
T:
{"hour": 6, "minute": 31}
